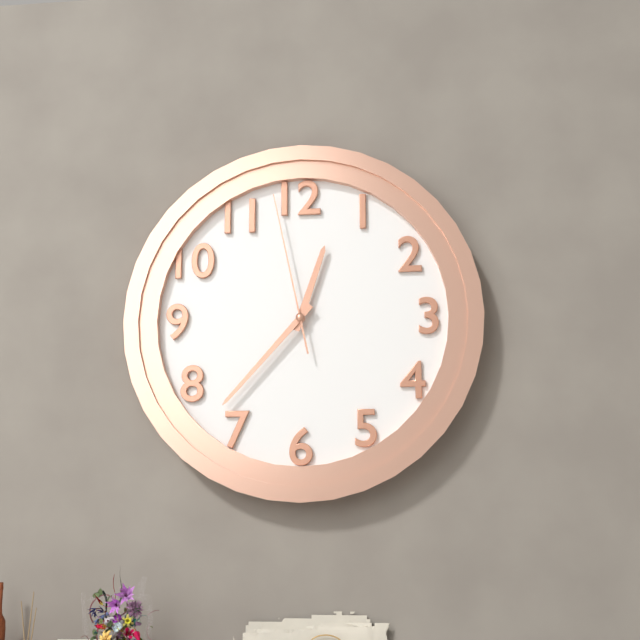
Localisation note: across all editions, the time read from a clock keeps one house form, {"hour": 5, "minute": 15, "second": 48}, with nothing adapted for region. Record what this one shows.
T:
{"hour": 12, "minute": 37, "second": 58}
